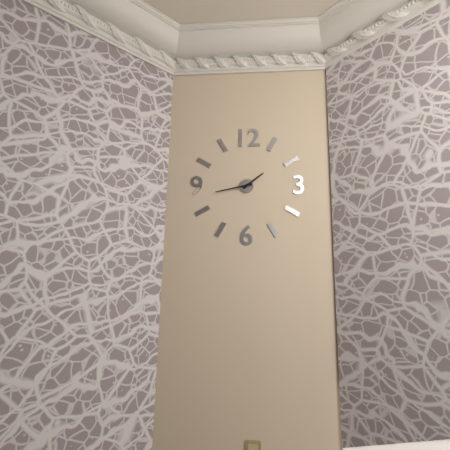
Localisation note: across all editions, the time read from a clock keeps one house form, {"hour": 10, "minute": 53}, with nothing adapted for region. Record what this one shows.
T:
{"hour": 1, "minute": 43}
